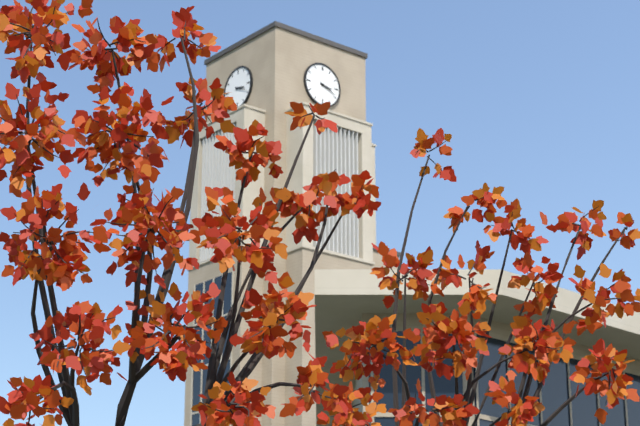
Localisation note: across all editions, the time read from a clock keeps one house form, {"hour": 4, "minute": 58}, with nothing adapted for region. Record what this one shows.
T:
{"hour": 3, "minute": 19}
